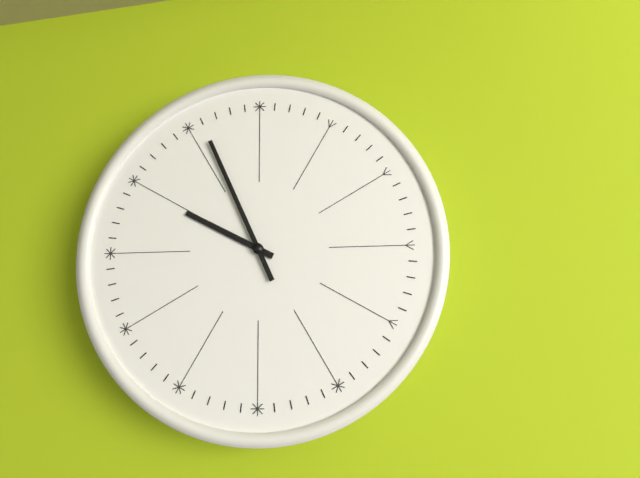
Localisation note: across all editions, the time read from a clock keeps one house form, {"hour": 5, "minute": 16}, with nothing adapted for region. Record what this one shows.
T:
{"hour": 9, "minute": 56}
